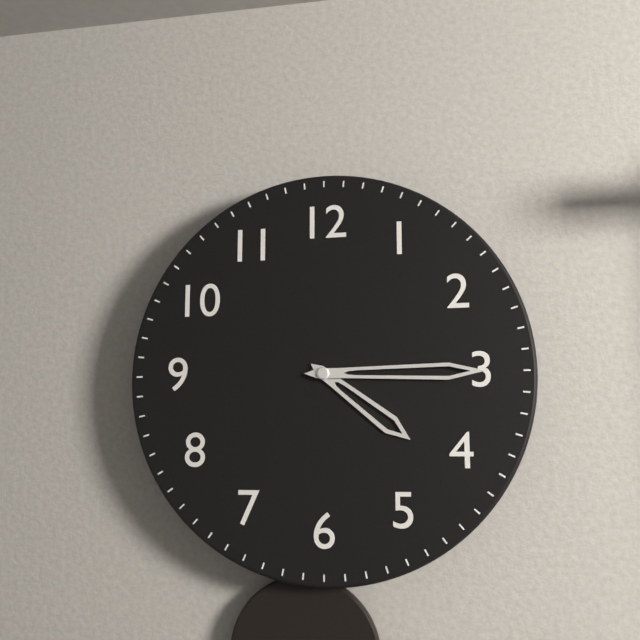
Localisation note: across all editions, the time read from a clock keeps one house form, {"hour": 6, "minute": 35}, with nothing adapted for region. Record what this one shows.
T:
{"hour": 4, "minute": 15}
